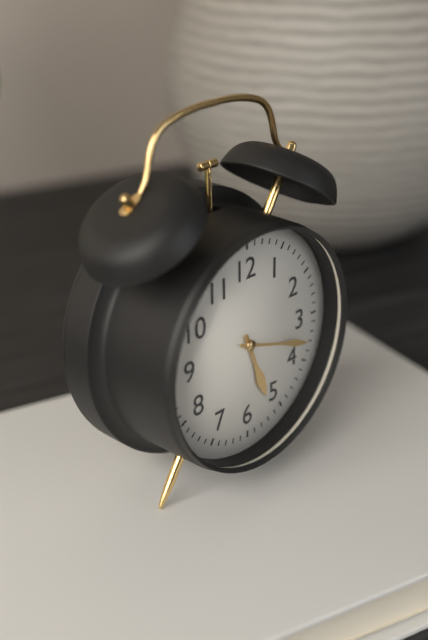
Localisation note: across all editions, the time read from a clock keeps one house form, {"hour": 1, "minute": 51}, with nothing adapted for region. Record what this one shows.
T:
{"hour": 5, "minute": 18}
